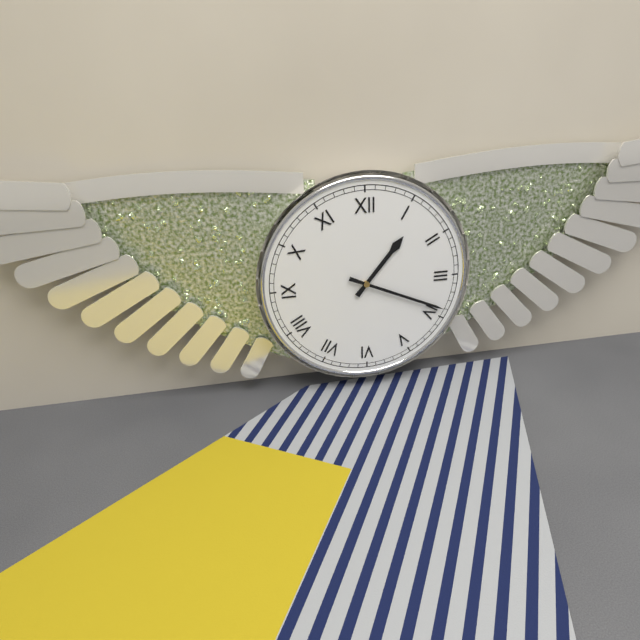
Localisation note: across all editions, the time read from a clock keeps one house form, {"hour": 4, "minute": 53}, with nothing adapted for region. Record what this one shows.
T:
{"hour": 1, "minute": 19}
